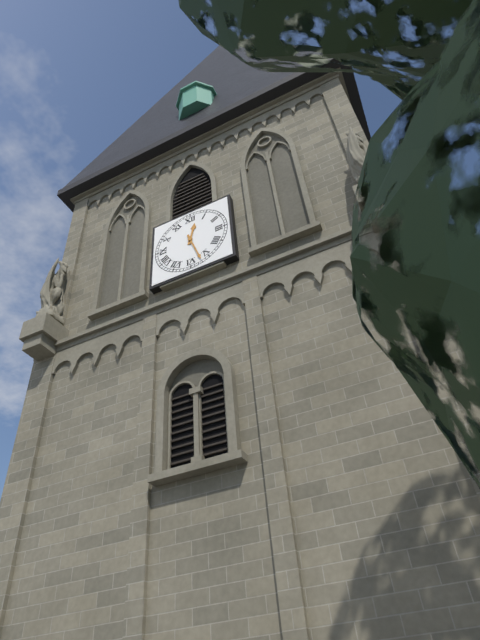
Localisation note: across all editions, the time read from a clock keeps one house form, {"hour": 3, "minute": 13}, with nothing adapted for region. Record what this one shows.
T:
{"hour": 12, "minute": 27}
